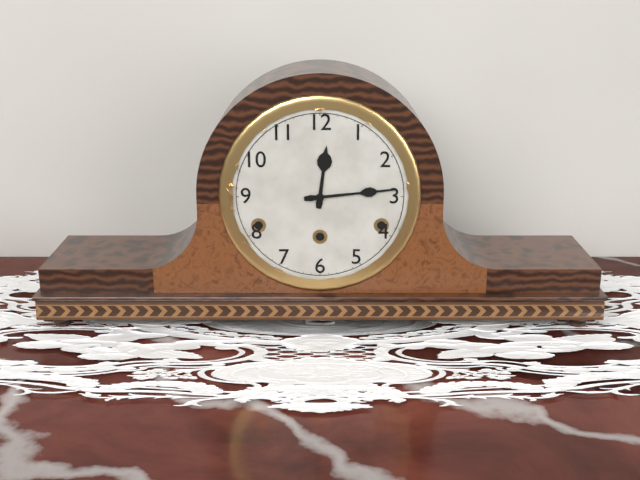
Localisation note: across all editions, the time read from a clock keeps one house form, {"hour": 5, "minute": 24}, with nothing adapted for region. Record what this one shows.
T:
{"hour": 12, "minute": 14}
